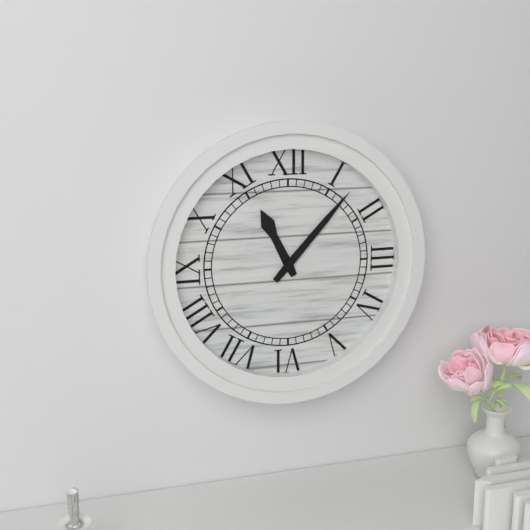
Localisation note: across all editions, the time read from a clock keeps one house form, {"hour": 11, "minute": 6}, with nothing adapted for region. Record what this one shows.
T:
{"hour": 11, "minute": 7}
